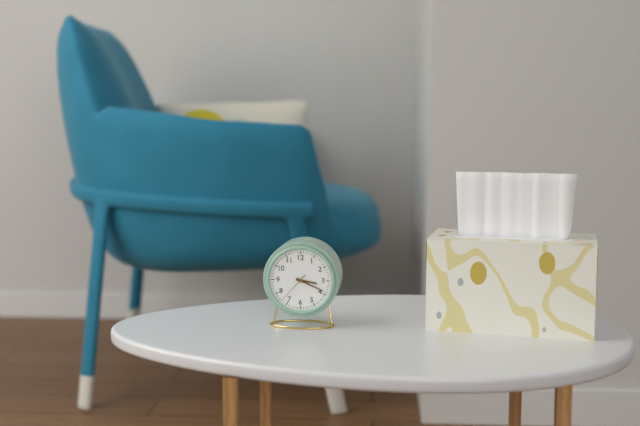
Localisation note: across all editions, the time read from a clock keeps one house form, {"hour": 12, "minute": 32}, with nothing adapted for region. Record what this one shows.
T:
{"hour": 3, "minute": 19}
